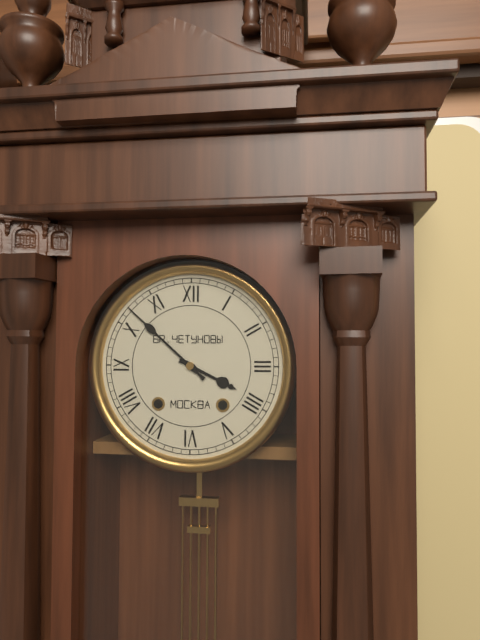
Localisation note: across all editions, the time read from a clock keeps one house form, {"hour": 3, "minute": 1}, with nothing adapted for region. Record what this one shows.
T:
{"hour": 3, "minute": 52}
